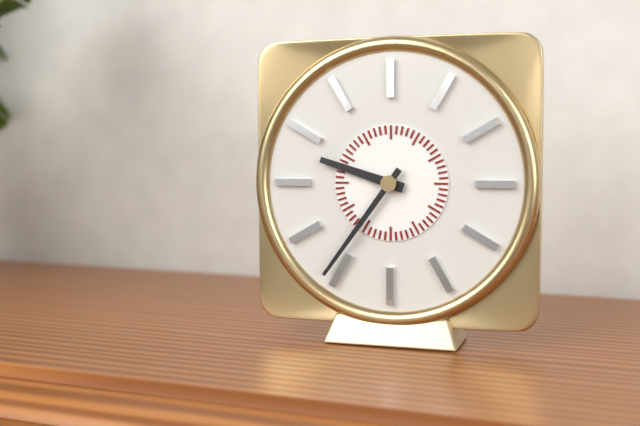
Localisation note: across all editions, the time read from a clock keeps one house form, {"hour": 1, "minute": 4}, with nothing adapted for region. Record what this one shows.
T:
{"hour": 9, "minute": 36}
